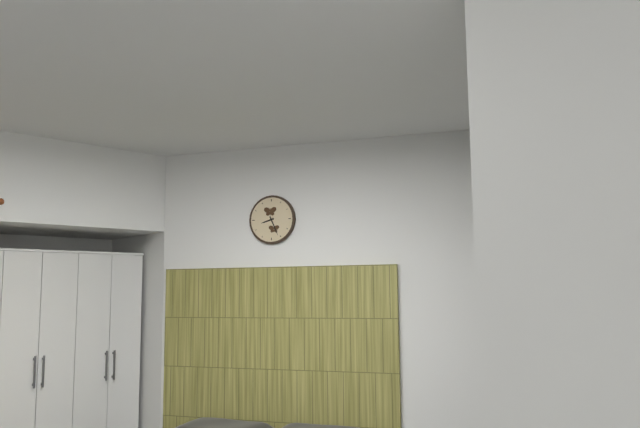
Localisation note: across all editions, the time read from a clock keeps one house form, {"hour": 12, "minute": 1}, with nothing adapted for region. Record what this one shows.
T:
{"hour": 8, "minute": 26}
